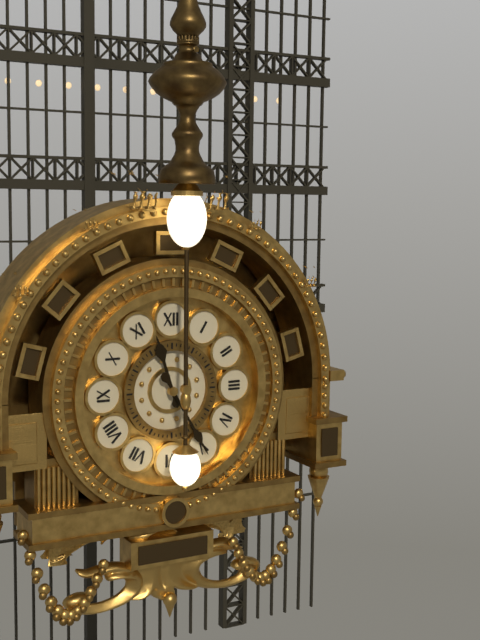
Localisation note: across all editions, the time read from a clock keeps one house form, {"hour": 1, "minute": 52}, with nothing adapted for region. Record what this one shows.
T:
{"hour": 11, "minute": 25}
